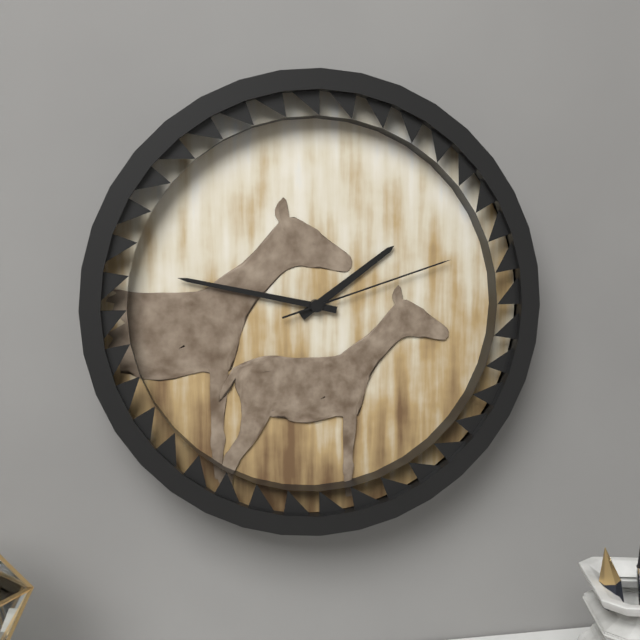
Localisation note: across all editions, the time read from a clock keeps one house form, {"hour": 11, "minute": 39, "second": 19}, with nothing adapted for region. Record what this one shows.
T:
{"hour": 1, "minute": 47, "second": 12}
